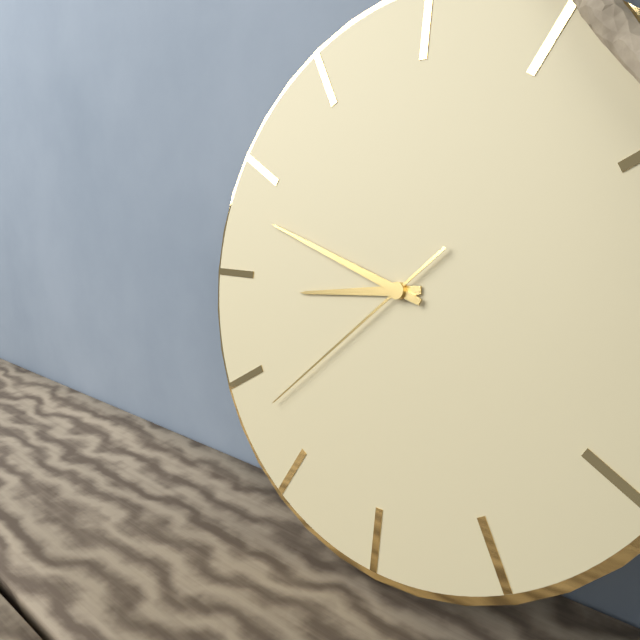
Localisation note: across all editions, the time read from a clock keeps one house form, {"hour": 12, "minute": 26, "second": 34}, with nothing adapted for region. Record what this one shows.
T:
{"hour": 8, "minute": 48, "second": 38}
